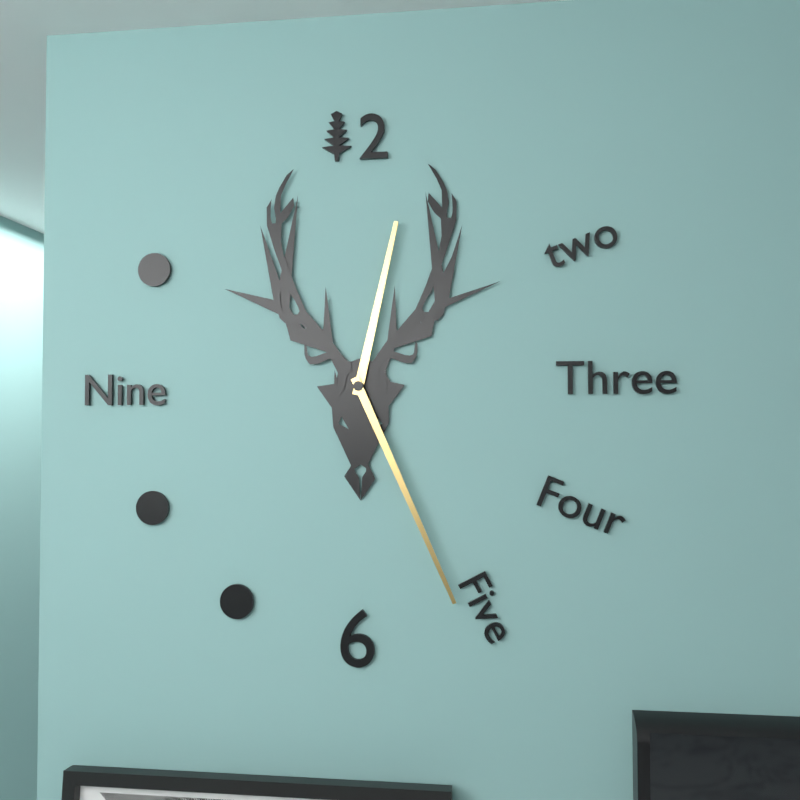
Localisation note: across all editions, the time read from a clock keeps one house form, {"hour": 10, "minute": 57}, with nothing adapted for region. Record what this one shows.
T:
{"hour": 12, "minute": 26}
